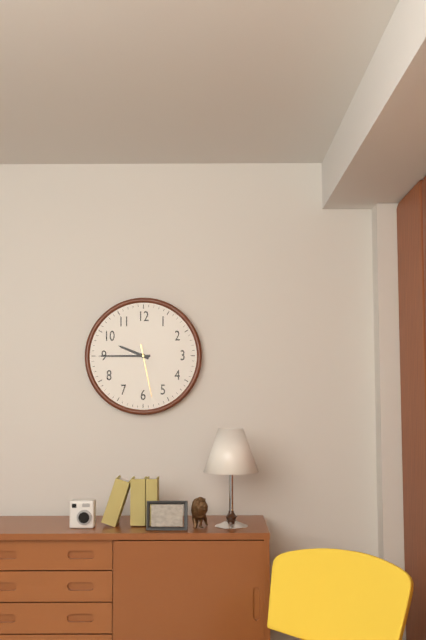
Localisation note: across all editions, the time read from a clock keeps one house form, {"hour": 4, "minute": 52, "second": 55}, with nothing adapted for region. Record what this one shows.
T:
{"hour": 9, "minute": 45, "second": 28}
